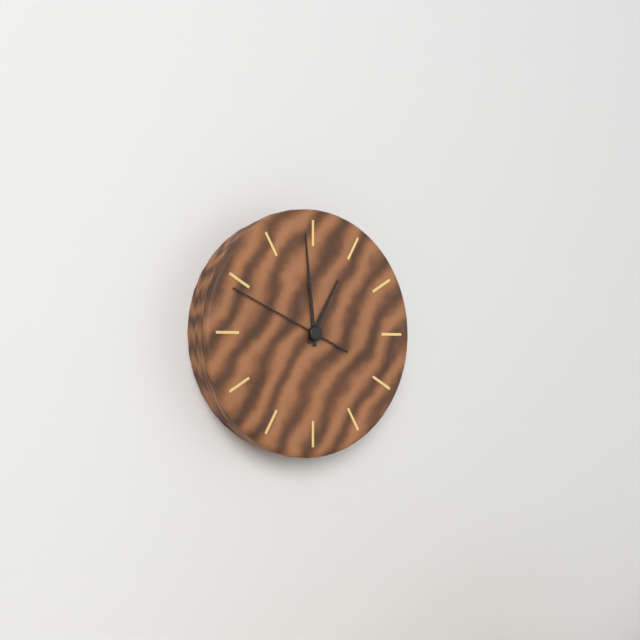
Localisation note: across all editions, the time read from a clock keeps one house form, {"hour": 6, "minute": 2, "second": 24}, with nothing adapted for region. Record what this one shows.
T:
{"hour": 12, "minute": 59, "second": 49}
